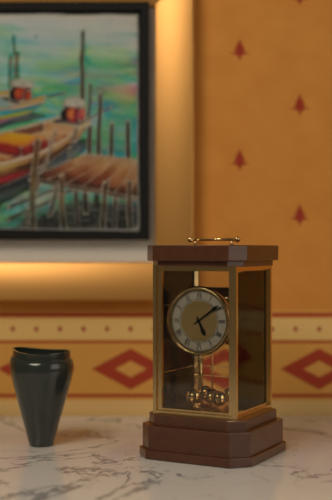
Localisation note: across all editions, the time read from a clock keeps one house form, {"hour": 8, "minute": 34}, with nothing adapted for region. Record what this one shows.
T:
{"hour": 5, "minute": 9}
